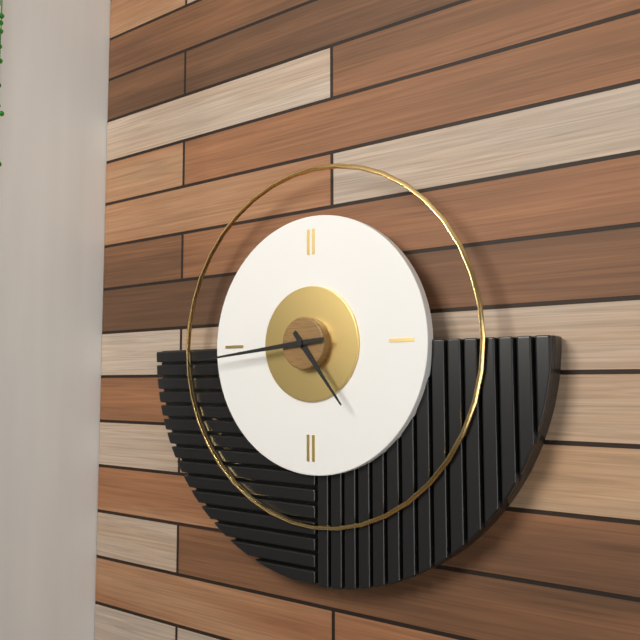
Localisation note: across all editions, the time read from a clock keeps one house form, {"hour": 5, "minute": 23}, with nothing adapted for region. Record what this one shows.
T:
{"hour": 4, "minute": 44}
